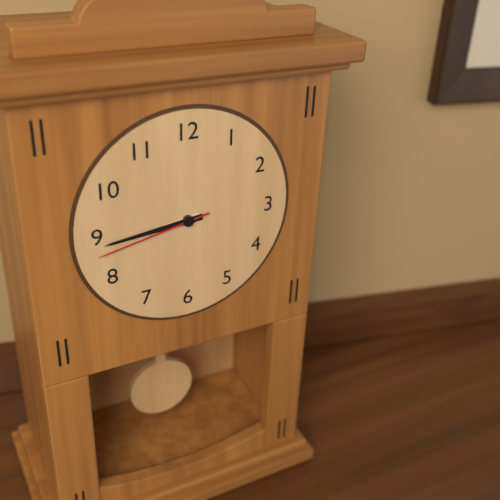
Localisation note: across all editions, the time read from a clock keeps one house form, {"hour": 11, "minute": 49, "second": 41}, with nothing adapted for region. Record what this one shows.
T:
{"hour": 8, "minute": 44, "second": 43}
